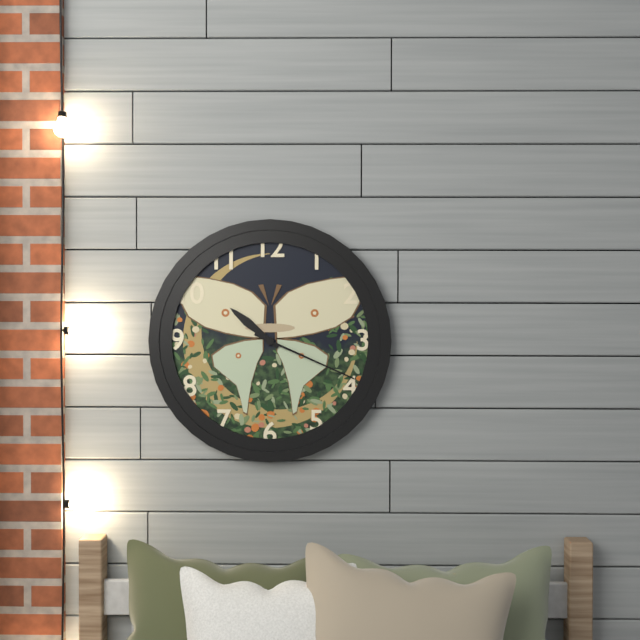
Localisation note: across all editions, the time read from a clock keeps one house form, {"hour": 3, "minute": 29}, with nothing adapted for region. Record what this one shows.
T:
{"hour": 10, "minute": 19}
